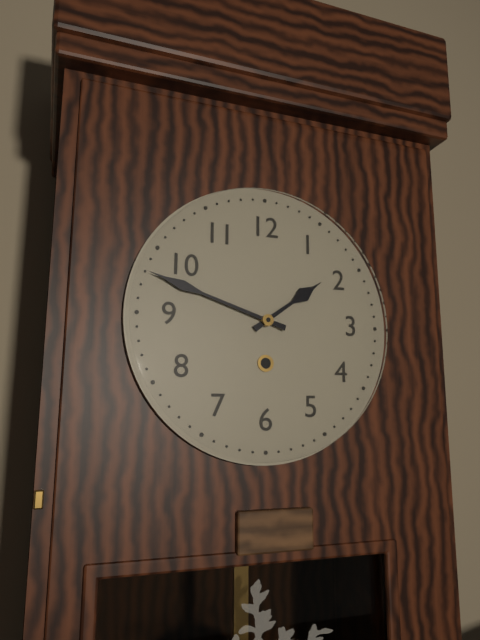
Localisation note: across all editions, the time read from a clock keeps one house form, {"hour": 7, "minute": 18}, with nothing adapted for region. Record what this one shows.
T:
{"hour": 1, "minute": 48}
